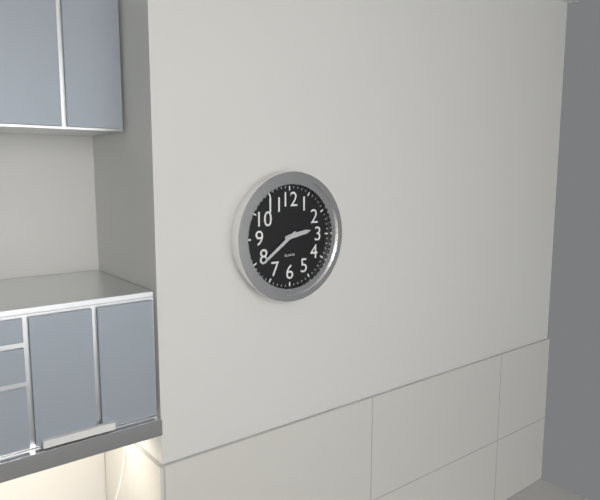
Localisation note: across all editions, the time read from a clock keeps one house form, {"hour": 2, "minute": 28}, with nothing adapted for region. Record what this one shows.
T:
{"hour": 2, "minute": 39}
